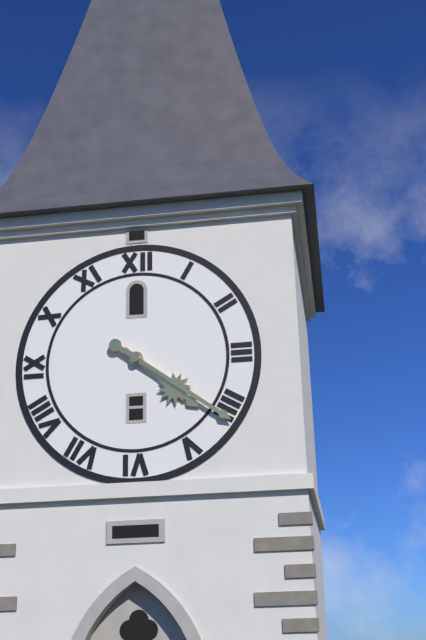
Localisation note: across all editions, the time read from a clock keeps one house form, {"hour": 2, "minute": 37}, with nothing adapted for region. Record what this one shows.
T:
{"hour": 4, "minute": 21}
